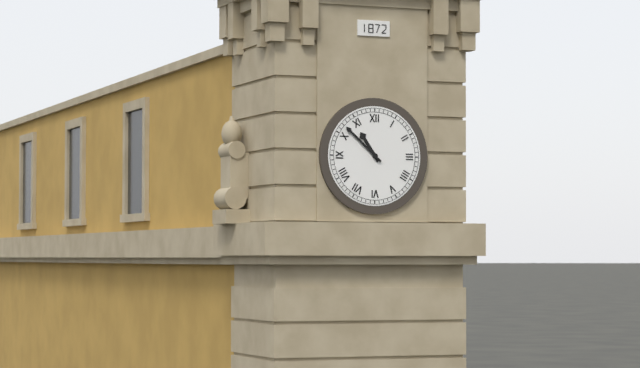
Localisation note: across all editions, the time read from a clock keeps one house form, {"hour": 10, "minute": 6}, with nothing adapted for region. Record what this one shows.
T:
{"hour": 10, "minute": 52}
